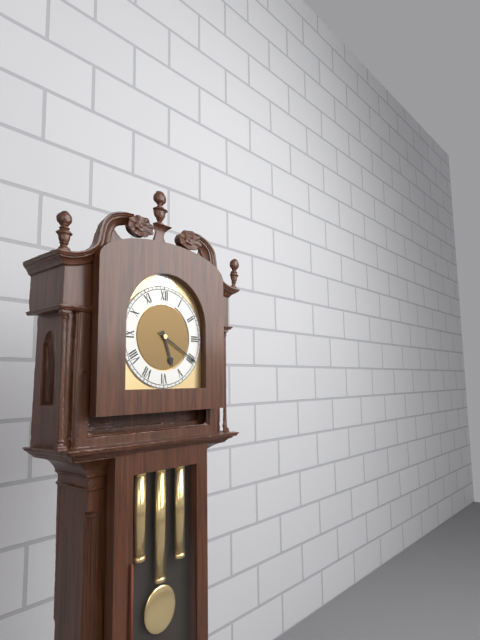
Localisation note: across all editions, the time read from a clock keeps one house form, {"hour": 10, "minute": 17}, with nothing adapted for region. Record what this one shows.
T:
{"hour": 5, "minute": 20}
